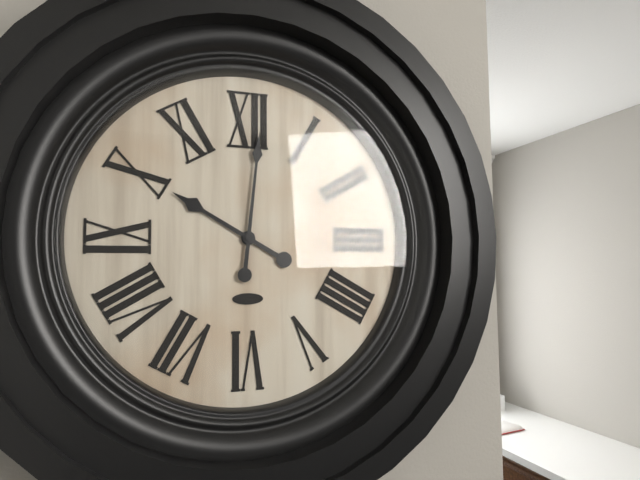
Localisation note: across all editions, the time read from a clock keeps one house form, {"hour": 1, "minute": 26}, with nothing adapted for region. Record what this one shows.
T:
{"hour": 10, "minute": 1}
